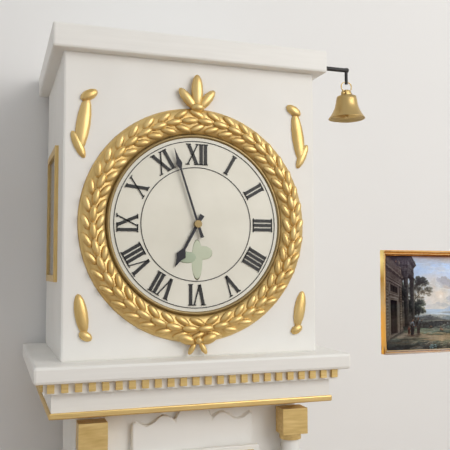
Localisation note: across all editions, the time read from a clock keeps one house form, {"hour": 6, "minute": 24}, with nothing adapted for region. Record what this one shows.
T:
{"hour": 6, "minute": 57}
